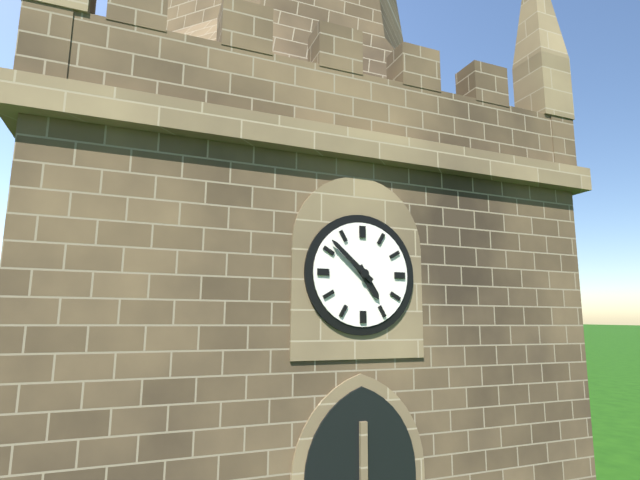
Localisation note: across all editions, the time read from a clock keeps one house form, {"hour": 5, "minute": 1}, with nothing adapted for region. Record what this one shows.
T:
{"hour": 4, "minute": 52}
